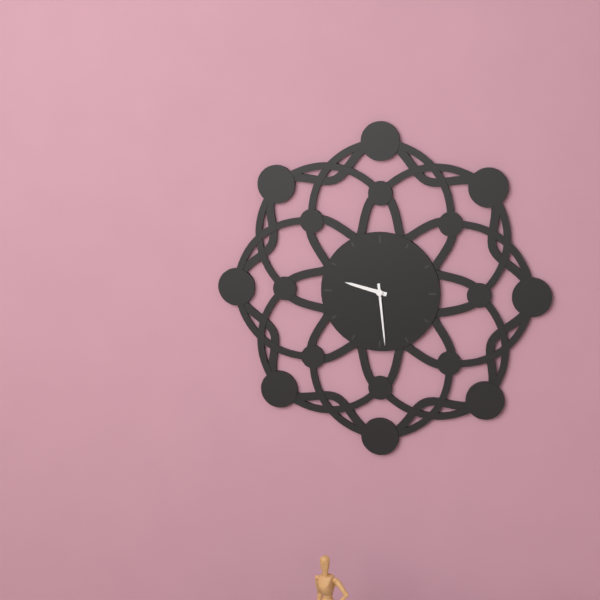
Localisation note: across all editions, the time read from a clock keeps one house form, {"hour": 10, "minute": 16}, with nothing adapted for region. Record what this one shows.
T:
{"hour": 9, "minute": 29}
